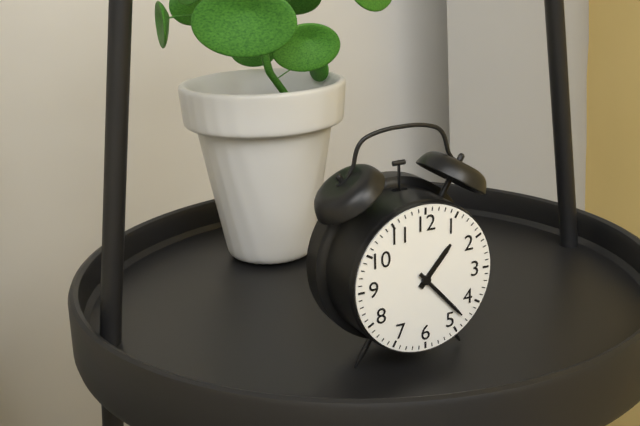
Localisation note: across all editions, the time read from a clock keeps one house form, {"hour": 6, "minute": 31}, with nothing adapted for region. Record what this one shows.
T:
{"hour": 1, "minute": 23}
